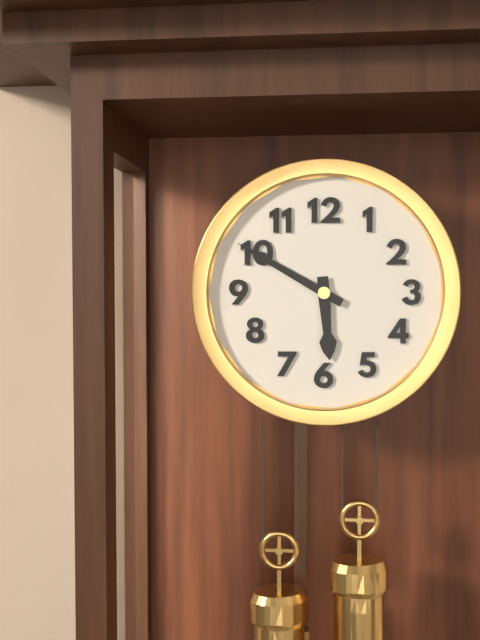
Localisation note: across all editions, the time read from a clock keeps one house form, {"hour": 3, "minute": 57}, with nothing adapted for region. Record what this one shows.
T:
{"hour": 5, "minute": 50}
